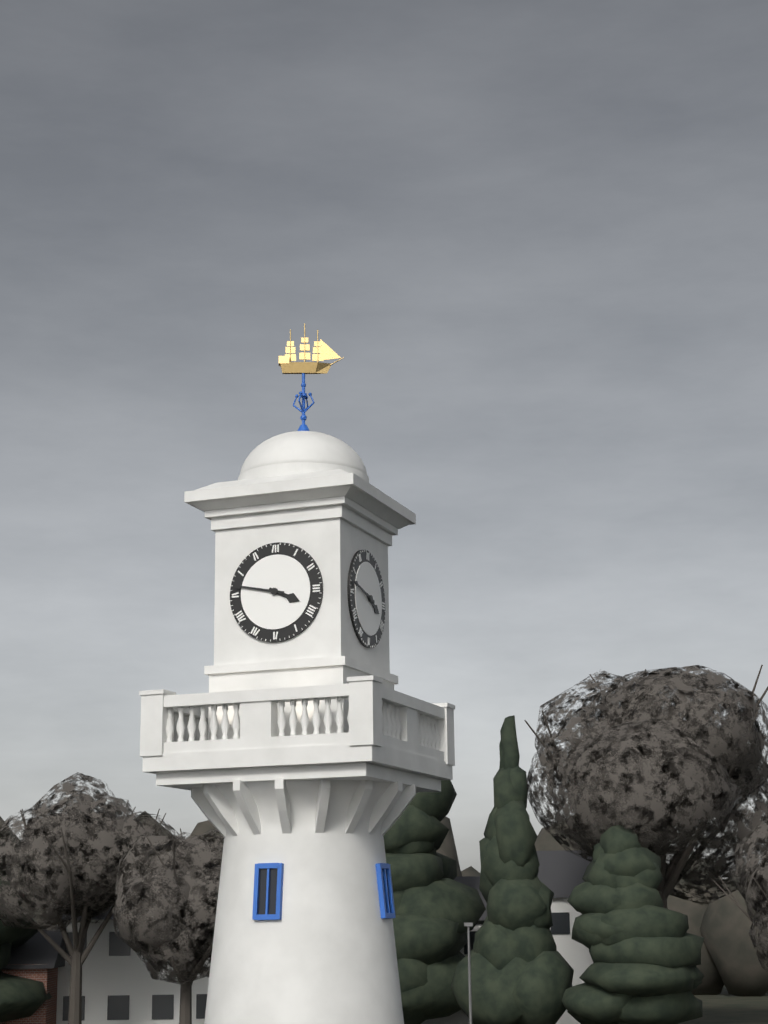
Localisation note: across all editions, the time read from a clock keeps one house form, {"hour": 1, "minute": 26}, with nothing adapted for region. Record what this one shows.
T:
{"hour": 3, "minute": 47}
